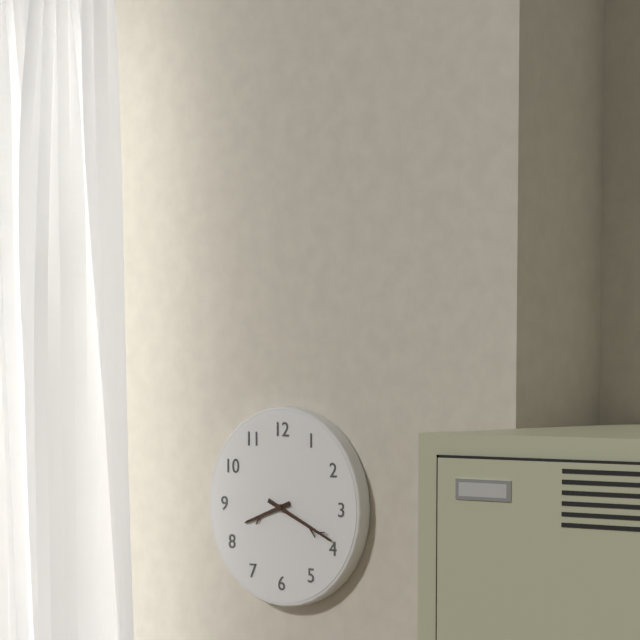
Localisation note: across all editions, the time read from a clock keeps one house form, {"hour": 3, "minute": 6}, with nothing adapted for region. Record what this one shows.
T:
{"hour": 8, "minute": 19}
